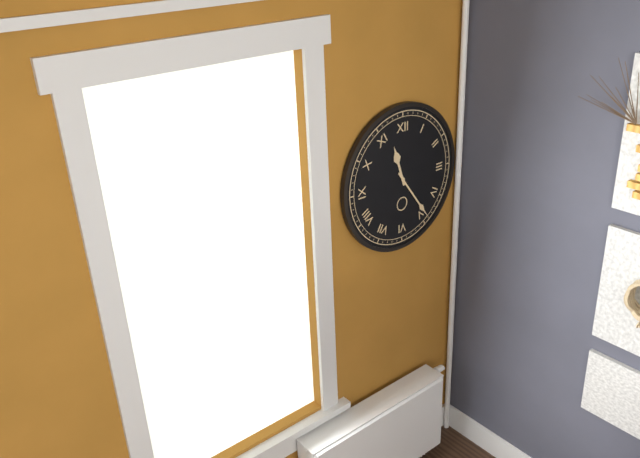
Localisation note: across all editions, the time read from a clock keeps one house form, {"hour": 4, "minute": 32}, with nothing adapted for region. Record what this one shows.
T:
{"hour": 11, "minute": 24}
